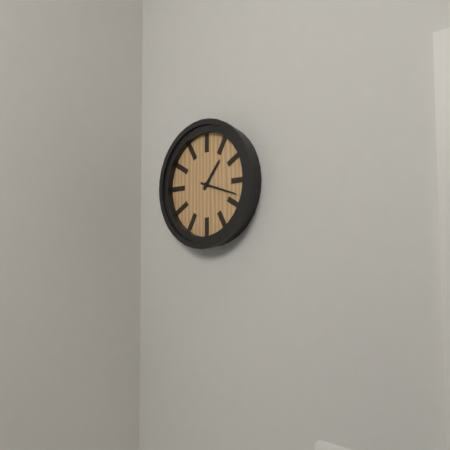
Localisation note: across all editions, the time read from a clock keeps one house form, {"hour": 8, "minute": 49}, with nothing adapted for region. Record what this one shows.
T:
{"hour": 1, "minute": 18}
